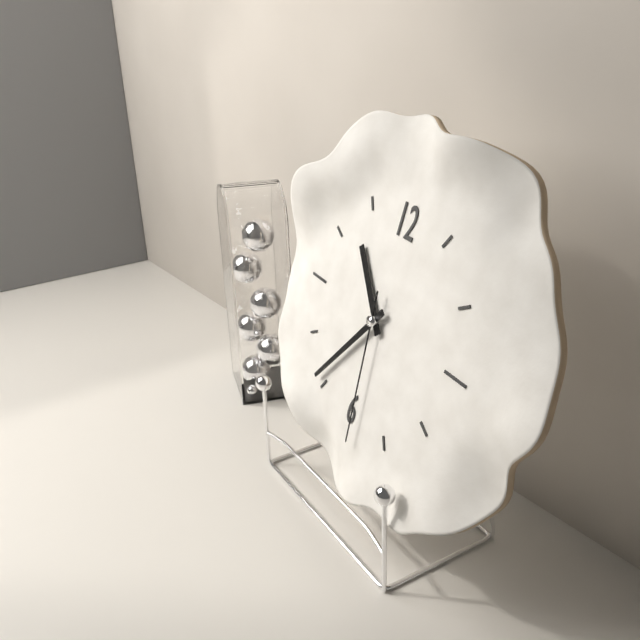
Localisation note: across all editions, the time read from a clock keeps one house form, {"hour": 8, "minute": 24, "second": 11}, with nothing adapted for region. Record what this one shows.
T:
{"hour": 10, "minute": 36, "second": 29}
